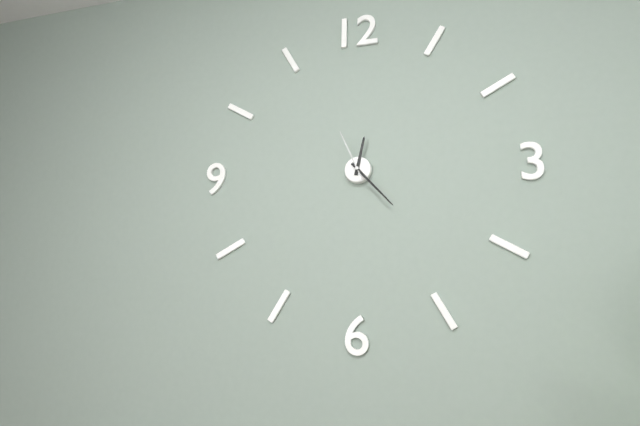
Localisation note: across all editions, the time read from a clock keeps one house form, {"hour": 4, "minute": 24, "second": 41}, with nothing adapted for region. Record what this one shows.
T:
{"hour": 12, "minute": 23, "second": 56}
